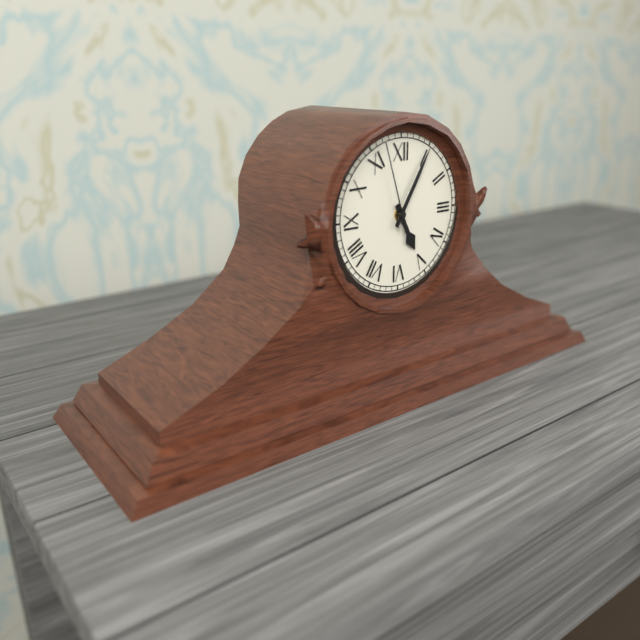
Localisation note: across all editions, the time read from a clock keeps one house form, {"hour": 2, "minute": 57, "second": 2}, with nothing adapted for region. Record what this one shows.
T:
{"hour": 5, "minute": 5, "second": 57}
